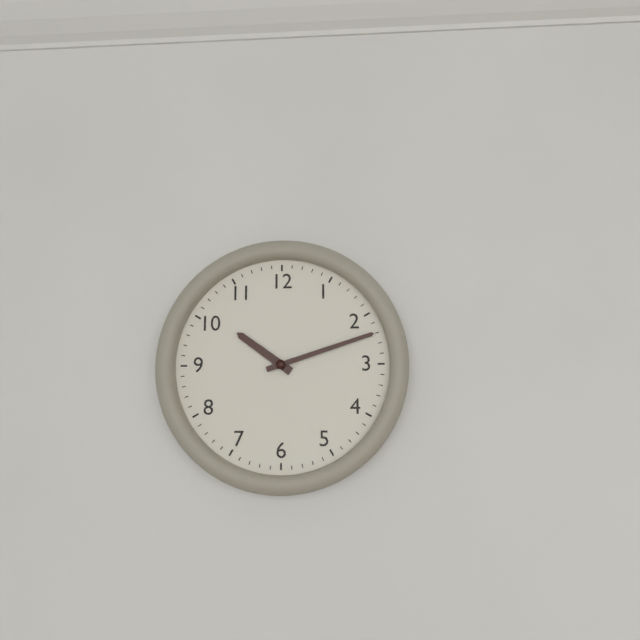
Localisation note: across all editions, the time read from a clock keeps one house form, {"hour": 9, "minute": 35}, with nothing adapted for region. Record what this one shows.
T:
{"hour": 10, "minute": 12}
